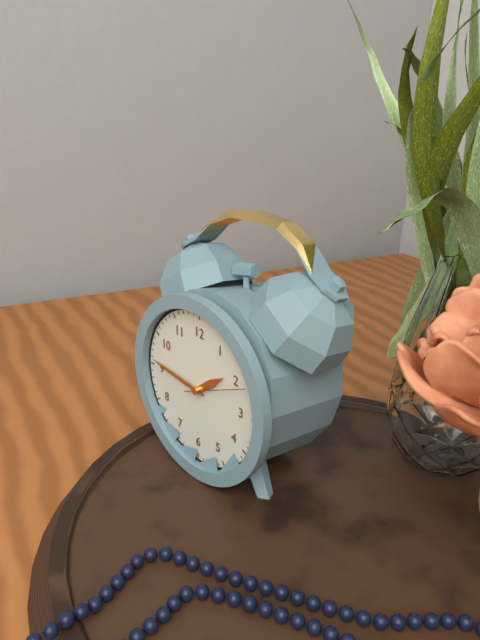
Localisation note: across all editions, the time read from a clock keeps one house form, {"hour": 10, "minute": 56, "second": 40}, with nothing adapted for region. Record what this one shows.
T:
{"hour": 1, "minute": 46, "second": 11}
